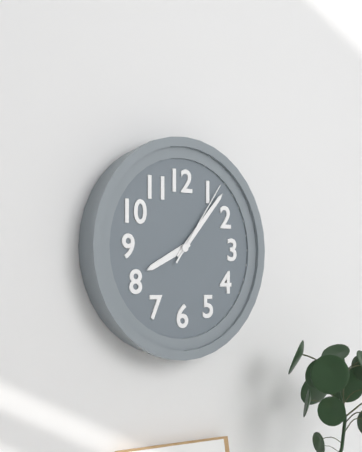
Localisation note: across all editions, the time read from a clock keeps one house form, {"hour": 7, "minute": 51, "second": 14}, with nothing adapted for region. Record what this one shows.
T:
{"hour": 8, "minute": 7, "second": 6}
